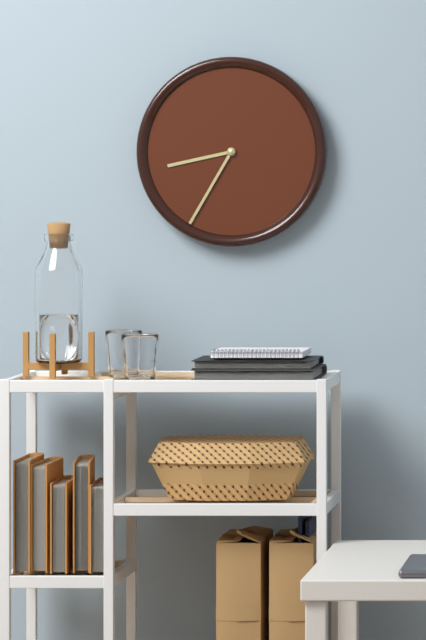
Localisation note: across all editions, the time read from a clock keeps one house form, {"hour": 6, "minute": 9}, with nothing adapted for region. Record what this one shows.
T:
{"hour": 8, "minute": 35}
